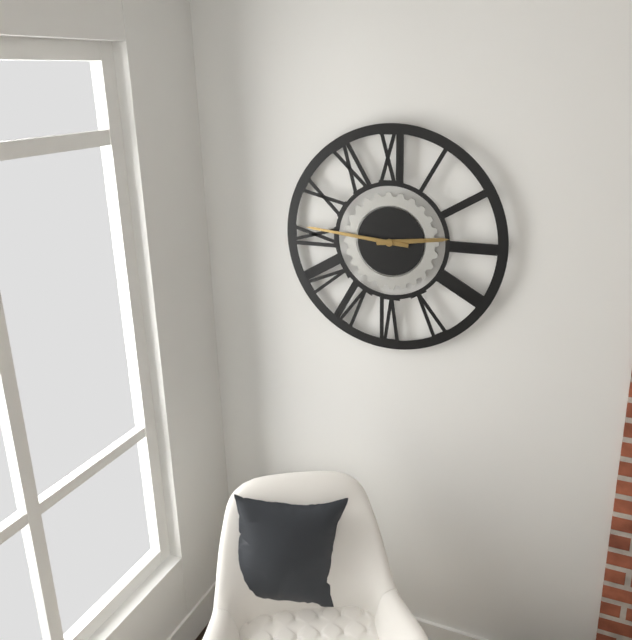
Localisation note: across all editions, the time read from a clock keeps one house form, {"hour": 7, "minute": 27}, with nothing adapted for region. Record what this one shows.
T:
{"hour": 2, "minute": 46}
